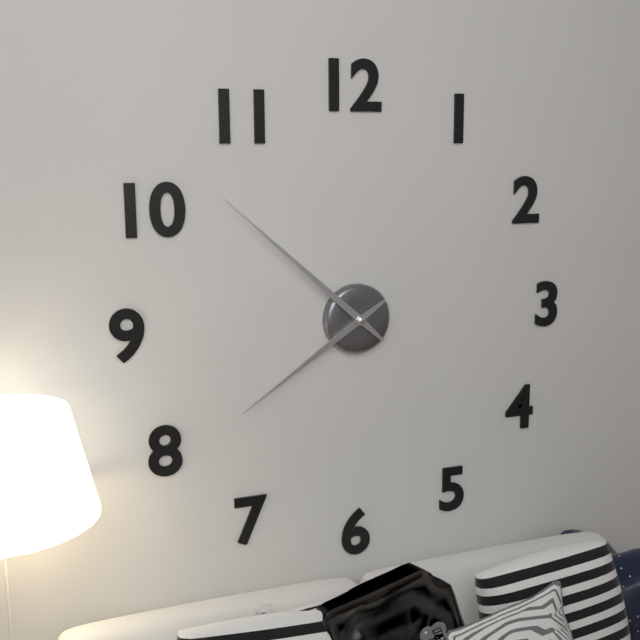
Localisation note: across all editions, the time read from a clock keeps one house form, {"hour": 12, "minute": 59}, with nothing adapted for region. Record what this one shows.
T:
{"hour": 7, "minute": 52}
